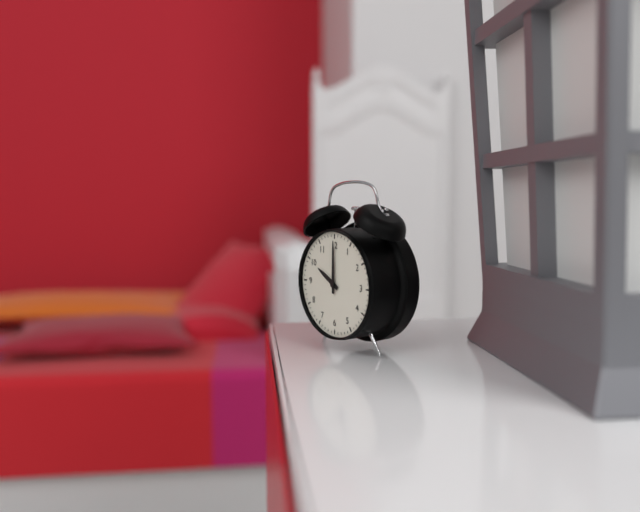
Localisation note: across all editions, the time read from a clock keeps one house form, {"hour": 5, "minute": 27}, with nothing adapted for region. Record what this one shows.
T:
{"hour": 10, "minute": 0}
